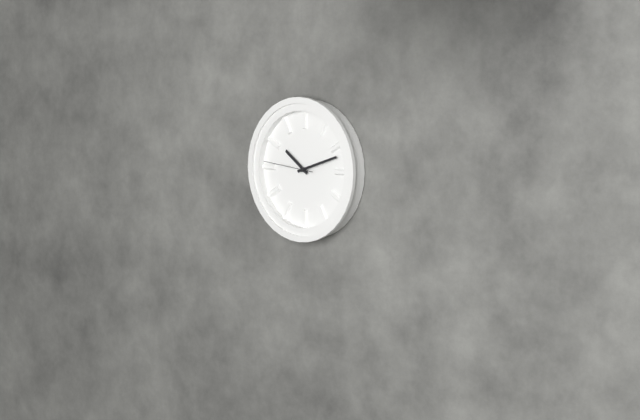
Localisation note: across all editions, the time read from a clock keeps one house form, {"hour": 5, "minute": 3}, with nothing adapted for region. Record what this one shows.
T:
{"hour": 10, "minute": 12}
